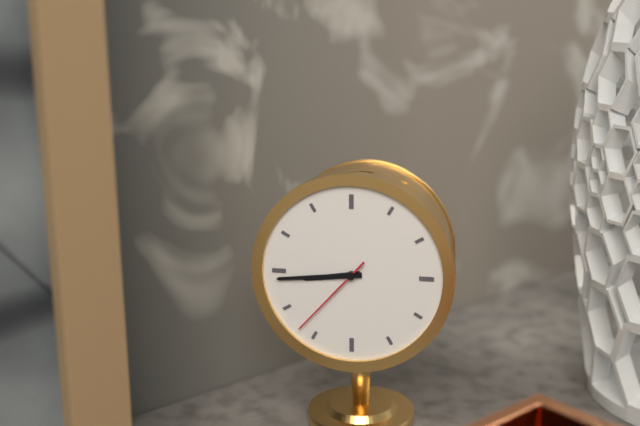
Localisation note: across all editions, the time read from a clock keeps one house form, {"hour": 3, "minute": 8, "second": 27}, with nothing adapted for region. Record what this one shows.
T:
{"hour": 8, "minute": 44, "second": 37}
